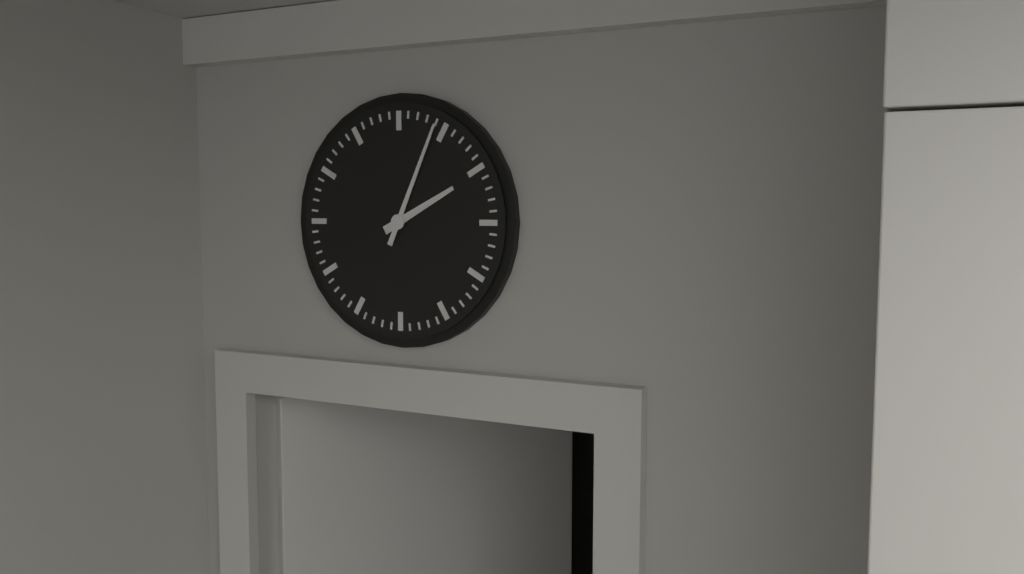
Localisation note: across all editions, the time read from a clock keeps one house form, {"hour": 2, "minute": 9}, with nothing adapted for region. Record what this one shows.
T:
{"hour": 2, "minute": 4}
